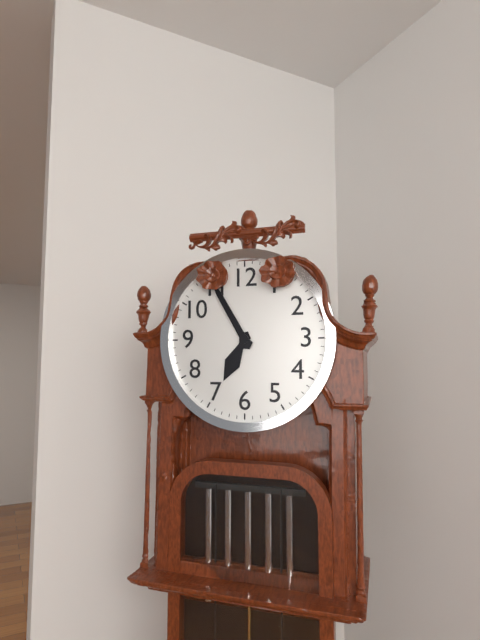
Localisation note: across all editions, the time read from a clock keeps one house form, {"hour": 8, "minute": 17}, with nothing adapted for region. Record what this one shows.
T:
{"hour": 6, "minute": 55}
